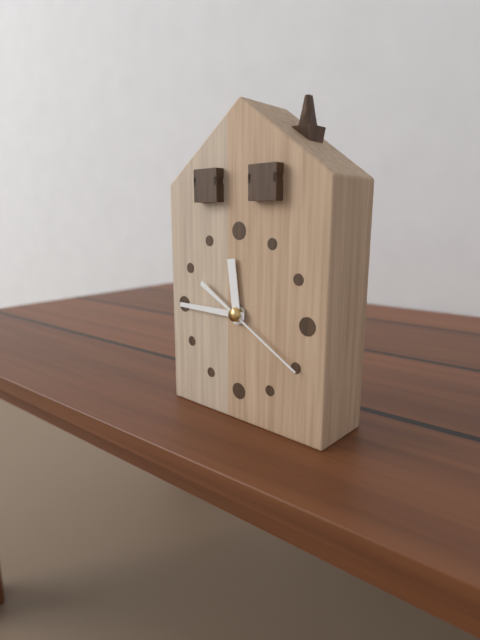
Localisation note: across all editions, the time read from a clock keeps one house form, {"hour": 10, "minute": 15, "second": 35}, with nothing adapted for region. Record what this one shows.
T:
{"hour": 11, "minute": 45, "second": 20}
